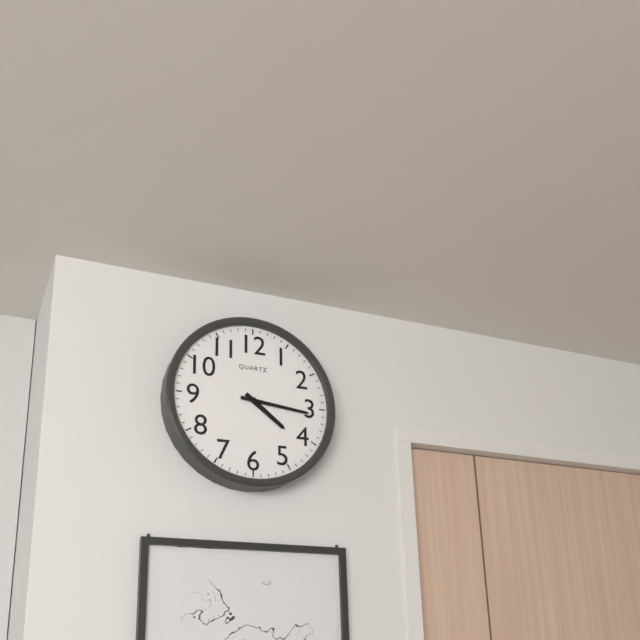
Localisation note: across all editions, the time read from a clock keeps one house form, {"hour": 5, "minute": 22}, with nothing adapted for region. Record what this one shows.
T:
{"hour": 4, "minute": 16}
